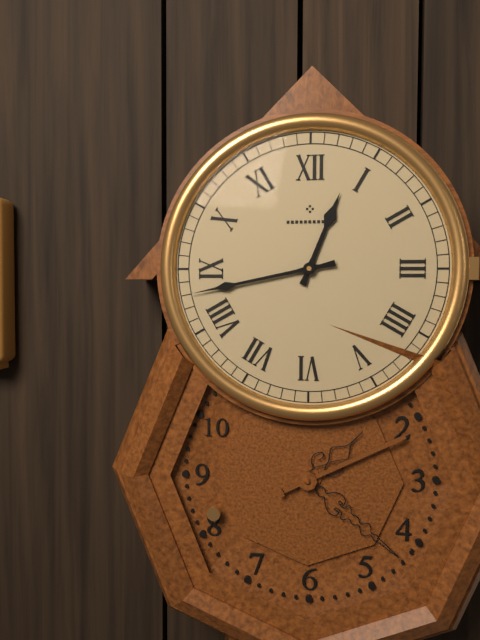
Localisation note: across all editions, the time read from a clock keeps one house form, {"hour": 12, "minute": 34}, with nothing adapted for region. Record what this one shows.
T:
{"hour": 12, "minute": 43}
